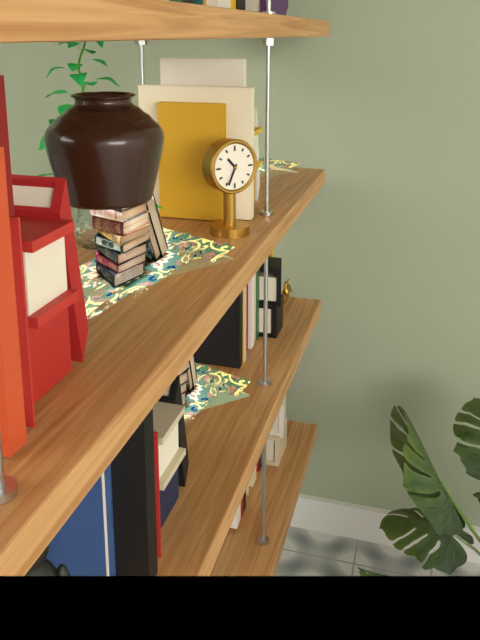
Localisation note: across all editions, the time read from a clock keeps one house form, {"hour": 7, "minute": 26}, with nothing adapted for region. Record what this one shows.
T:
{"hour": 10, "minute": 34}
